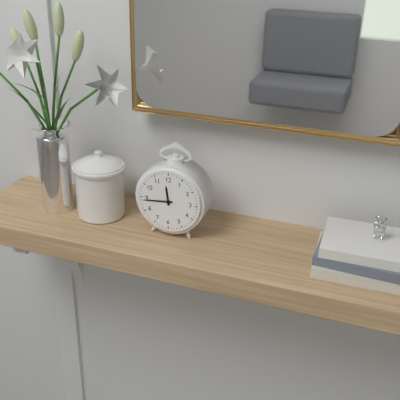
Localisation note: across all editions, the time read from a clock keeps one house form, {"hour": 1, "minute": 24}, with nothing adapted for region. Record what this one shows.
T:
{"hour": 11, "minute": 44}
